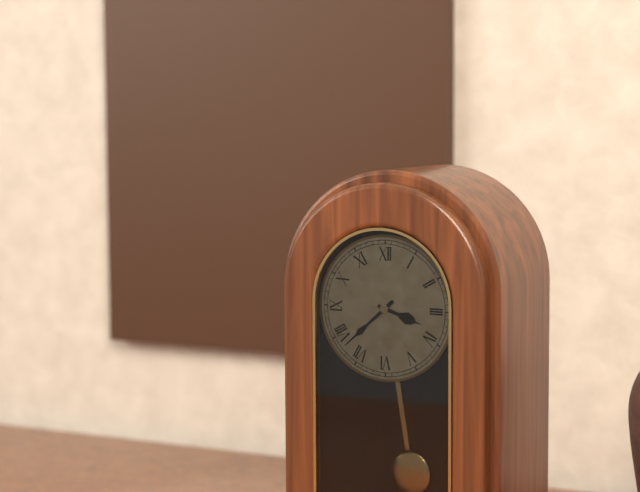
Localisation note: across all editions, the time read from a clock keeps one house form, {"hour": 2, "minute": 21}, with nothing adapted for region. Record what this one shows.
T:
{"hour": 3, "minute": 38}
